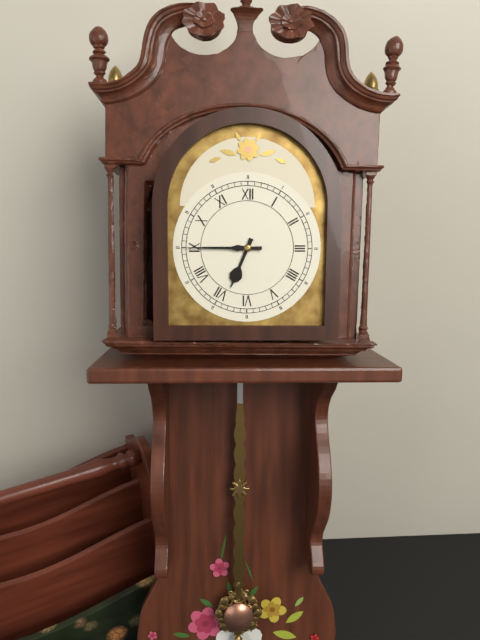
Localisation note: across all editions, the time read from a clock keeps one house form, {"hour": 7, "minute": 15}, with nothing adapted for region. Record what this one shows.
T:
{"hour": 6, "minute": 45}
